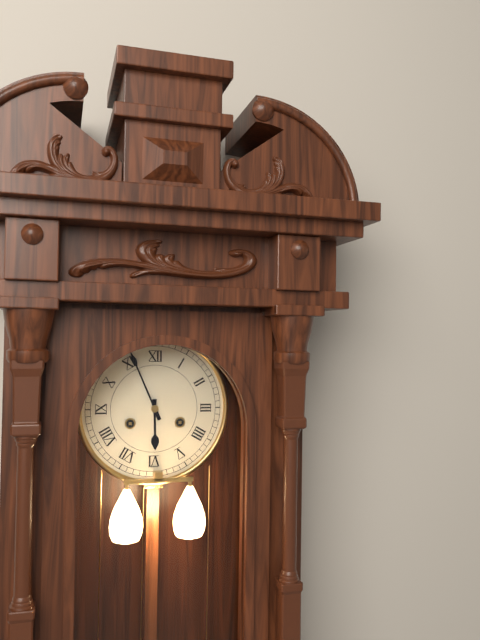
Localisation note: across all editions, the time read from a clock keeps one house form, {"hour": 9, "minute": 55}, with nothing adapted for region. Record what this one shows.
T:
{"hour": 5, "minute": 56}
